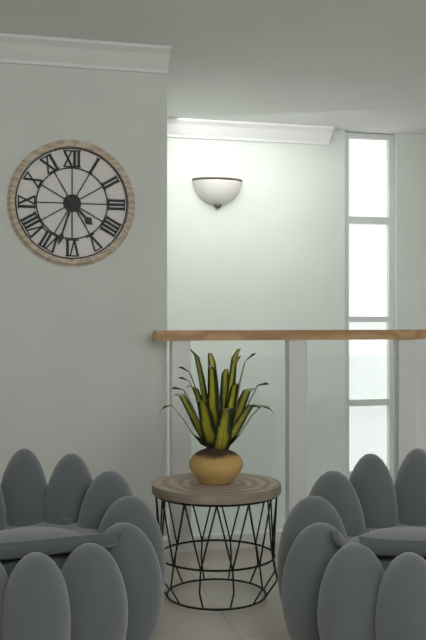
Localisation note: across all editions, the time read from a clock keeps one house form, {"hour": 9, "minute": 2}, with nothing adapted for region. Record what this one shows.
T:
{"hour": 4, "minute": 33}
